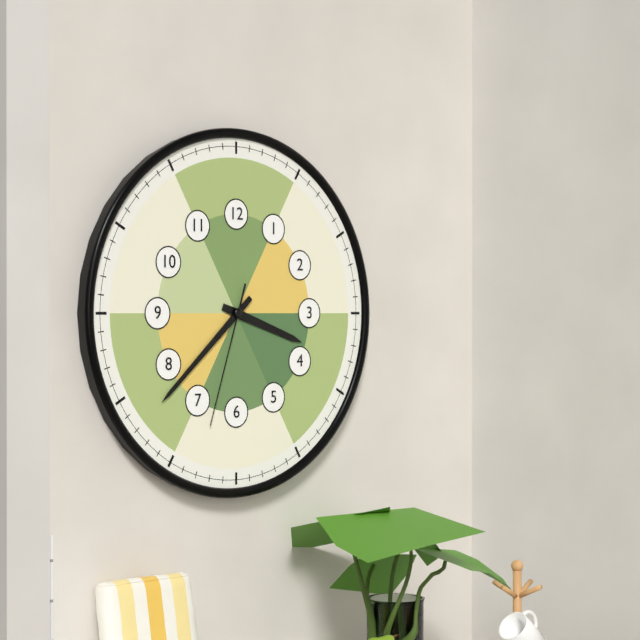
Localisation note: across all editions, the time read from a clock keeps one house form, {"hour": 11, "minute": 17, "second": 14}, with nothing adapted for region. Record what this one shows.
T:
{"hour": 3, "minute": 38, "second": 33}
